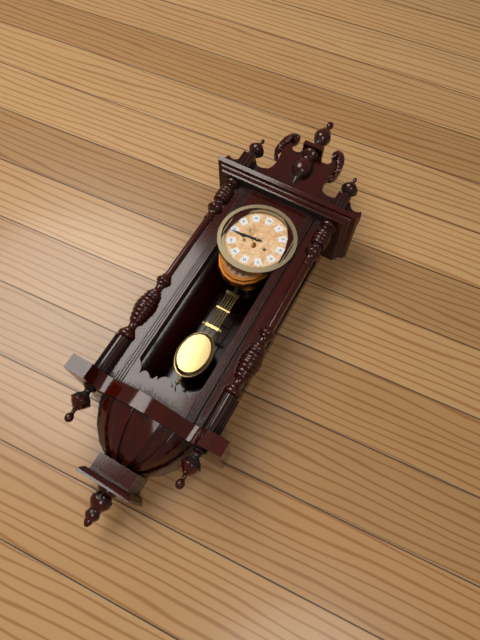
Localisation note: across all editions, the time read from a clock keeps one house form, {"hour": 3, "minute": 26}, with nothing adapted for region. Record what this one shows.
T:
{"hour": 8, "minute": 44}
